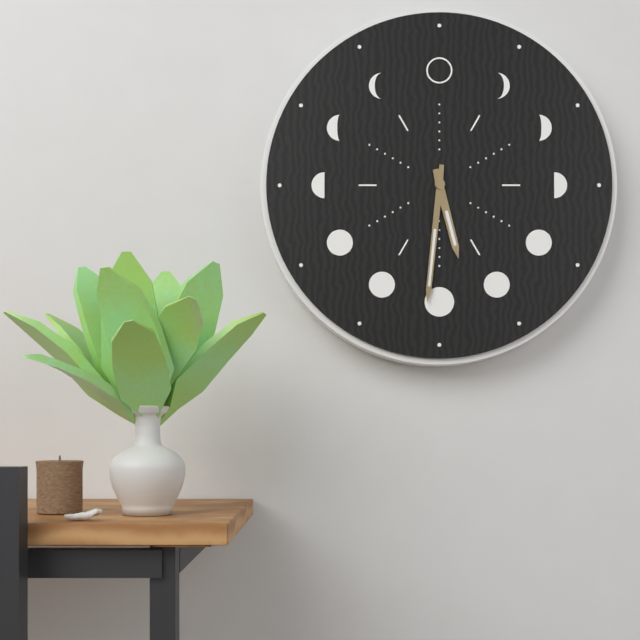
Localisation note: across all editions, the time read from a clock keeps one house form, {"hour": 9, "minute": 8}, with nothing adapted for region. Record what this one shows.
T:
{"hour": 5, "minute": 31}
